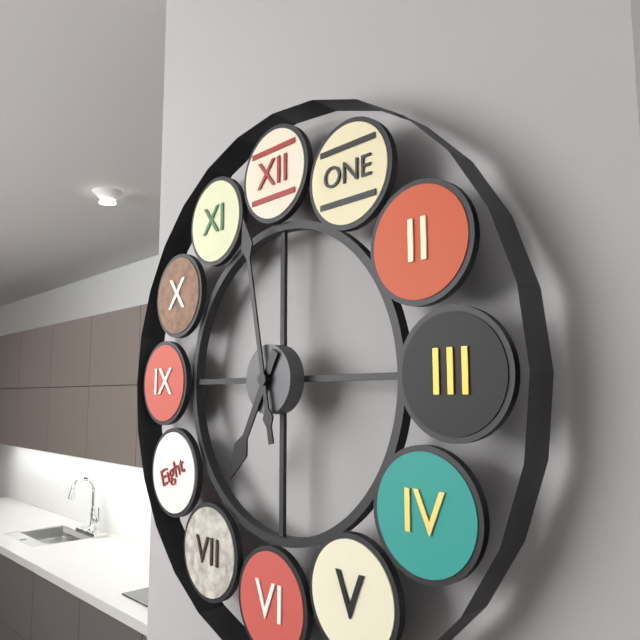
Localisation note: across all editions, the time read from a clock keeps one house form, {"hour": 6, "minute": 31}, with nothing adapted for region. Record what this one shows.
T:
{"hour": 6, "minute": 58}
